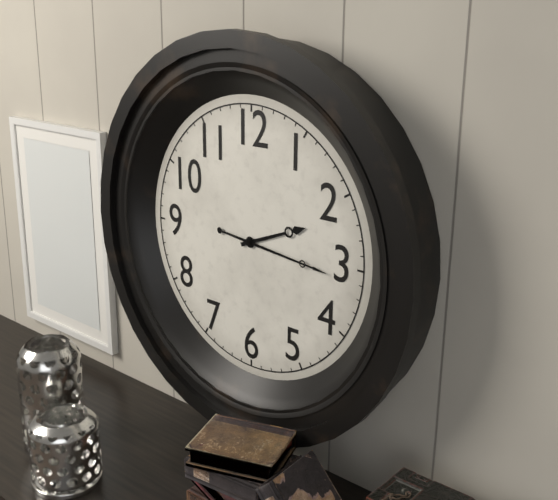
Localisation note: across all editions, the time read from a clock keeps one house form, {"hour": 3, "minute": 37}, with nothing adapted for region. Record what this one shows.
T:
{"hour": 2, "minute": 16}
